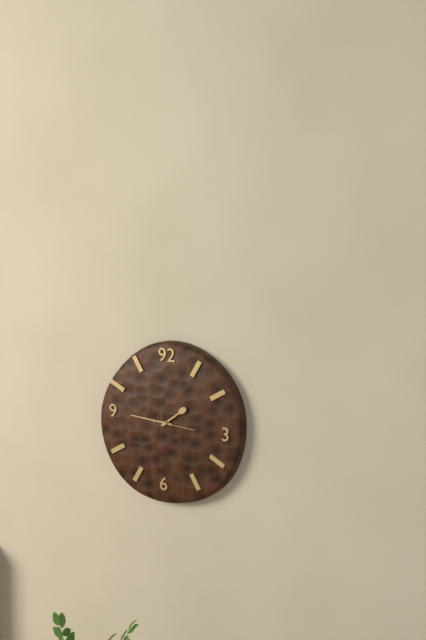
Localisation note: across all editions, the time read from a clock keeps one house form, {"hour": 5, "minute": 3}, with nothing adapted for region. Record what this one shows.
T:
{"hour": 1, "minute": 46}
